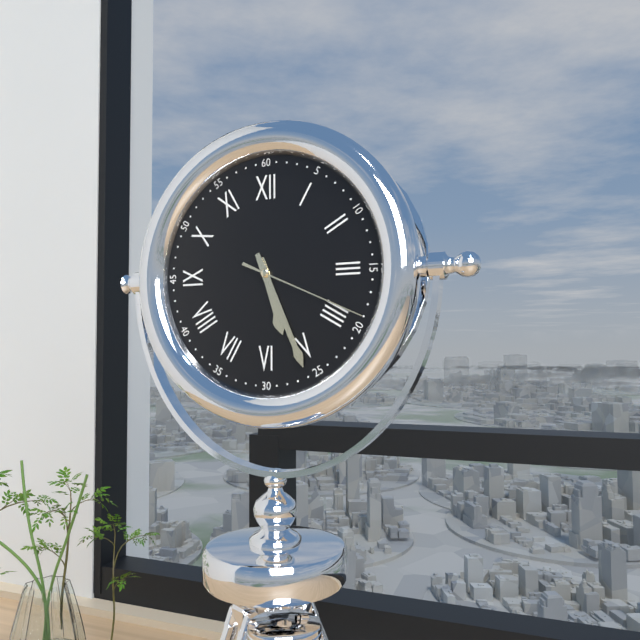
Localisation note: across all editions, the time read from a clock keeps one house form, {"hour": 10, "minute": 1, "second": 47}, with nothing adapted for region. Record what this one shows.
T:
{"hour": 5, "minute": 26, "second": 19}
